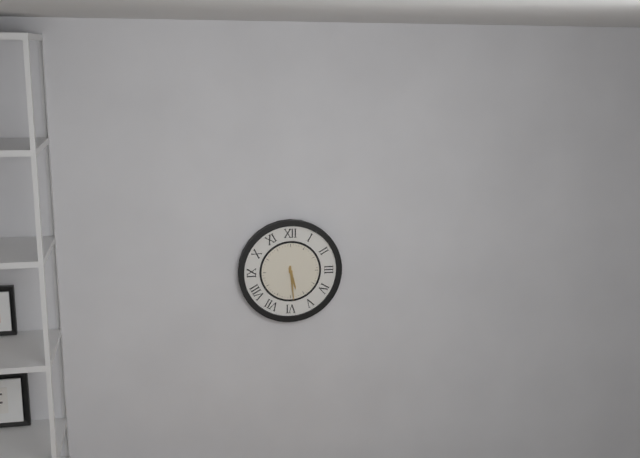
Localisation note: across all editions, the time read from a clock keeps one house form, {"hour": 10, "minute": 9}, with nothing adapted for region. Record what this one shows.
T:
{"hour": 5, "minute": 29}
